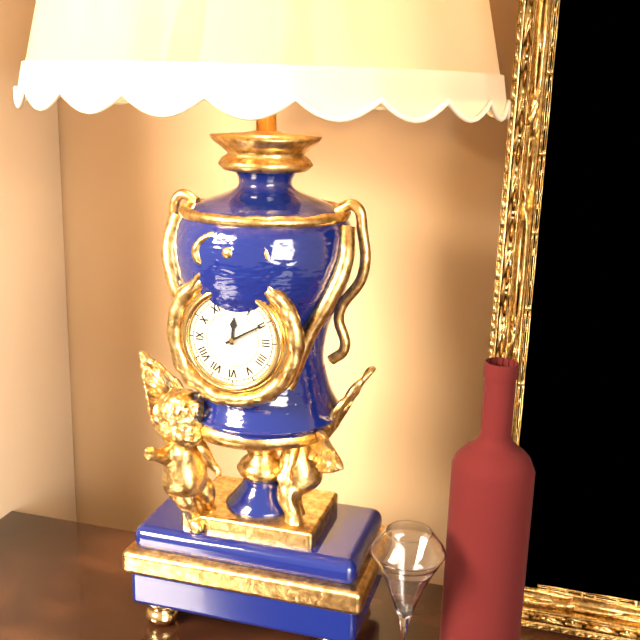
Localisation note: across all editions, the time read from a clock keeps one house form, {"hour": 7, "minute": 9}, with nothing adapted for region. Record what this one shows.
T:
{"hour": 12, "minute": 10}
